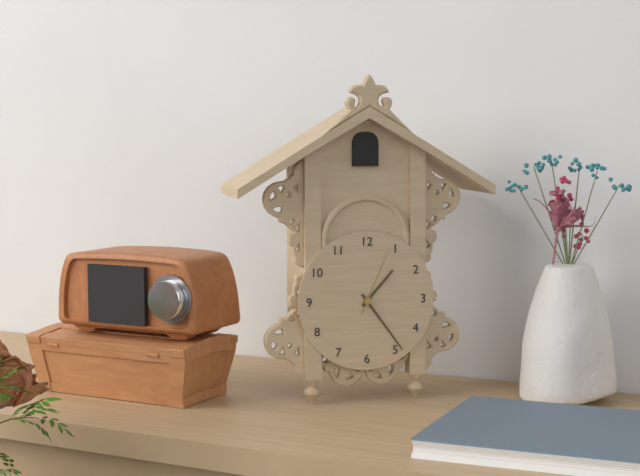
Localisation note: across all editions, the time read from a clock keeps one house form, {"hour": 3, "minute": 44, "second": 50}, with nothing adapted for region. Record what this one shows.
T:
{"hour": 1, "minute": 24, "second": 4}
